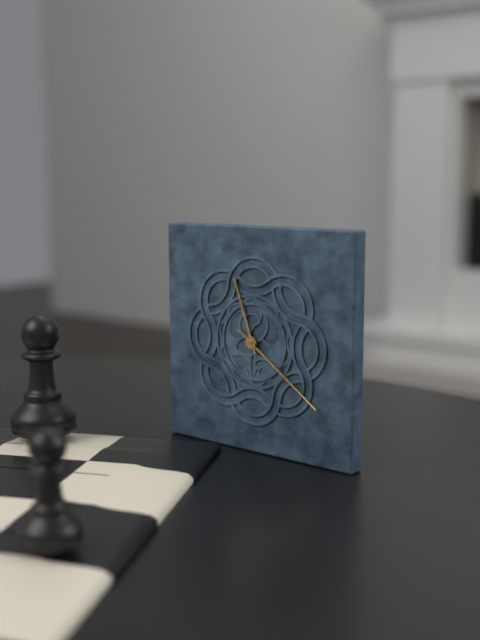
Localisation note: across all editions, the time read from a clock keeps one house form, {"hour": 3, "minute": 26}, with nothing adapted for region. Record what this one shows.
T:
{"hour": 11, "minute": 21}
